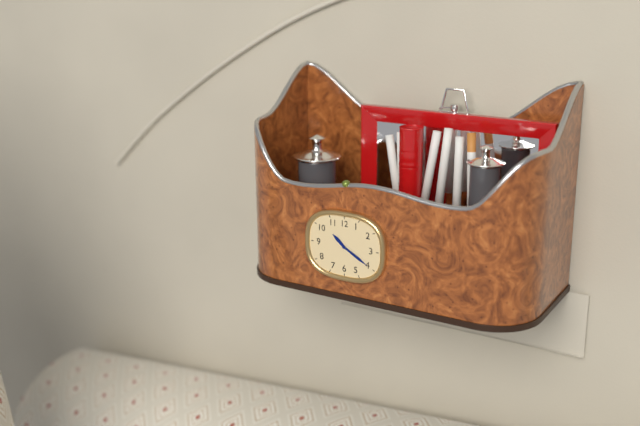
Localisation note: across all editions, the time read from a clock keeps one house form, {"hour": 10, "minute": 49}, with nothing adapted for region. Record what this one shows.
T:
{"hour": 10, "minute": 20}
